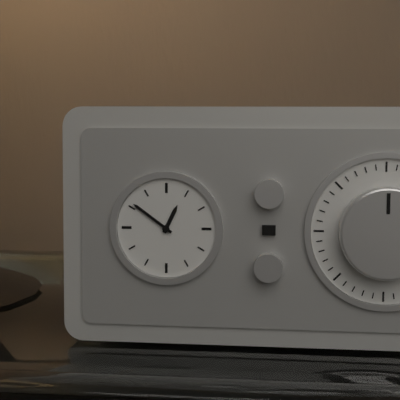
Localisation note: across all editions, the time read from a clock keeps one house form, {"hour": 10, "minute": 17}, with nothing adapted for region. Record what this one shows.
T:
{"hour": 12, "minute": 51}
